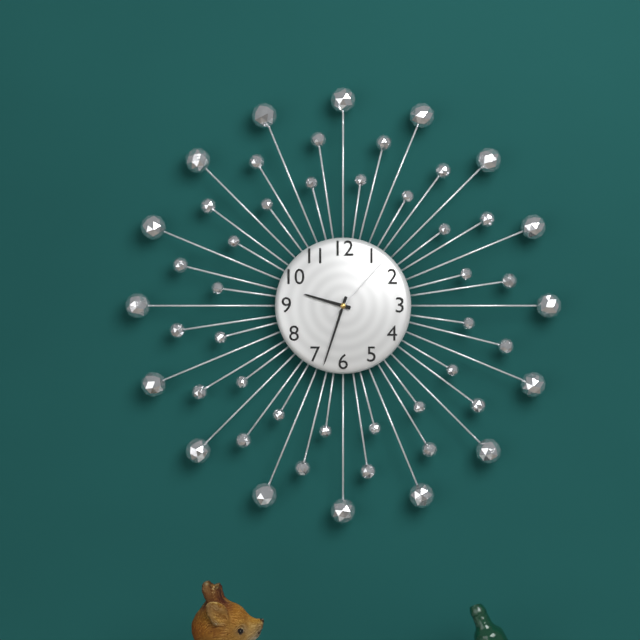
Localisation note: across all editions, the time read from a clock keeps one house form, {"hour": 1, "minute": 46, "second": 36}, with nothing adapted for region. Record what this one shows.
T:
{"hour": 9, "minute": 33, "second": 7}
